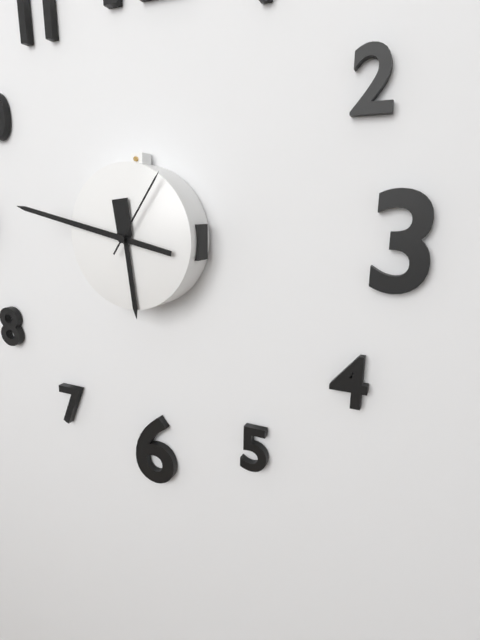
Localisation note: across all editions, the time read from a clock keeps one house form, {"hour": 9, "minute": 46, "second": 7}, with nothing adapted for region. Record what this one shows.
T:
{"hour": 5, "minute": 47, "second": 6}
